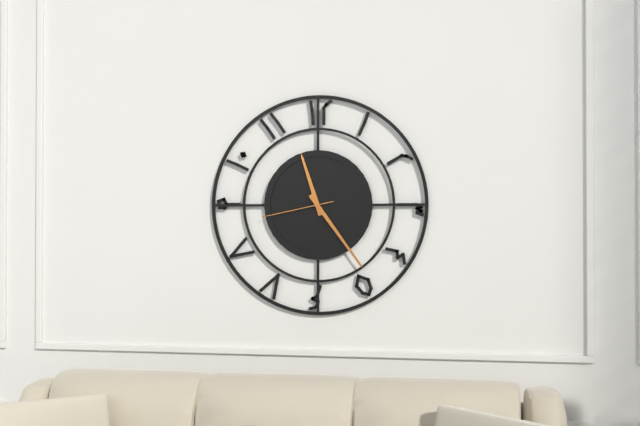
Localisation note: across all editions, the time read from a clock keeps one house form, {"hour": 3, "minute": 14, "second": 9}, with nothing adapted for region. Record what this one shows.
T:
{"hour": 11, "minute": 24, "second": 43}
